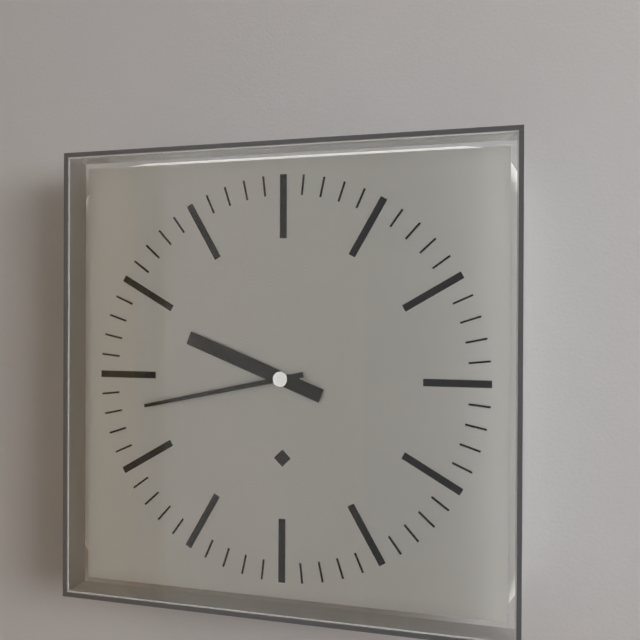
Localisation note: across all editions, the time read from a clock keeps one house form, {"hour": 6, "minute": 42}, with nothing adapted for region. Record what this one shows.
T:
{"hour": 9, "minute": 43}
